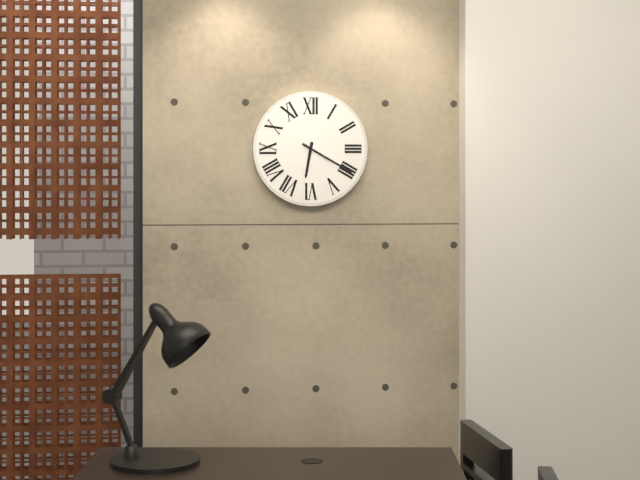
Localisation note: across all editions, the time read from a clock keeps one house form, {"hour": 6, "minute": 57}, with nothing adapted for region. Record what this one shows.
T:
{"hour": 6, "minute": 20}
